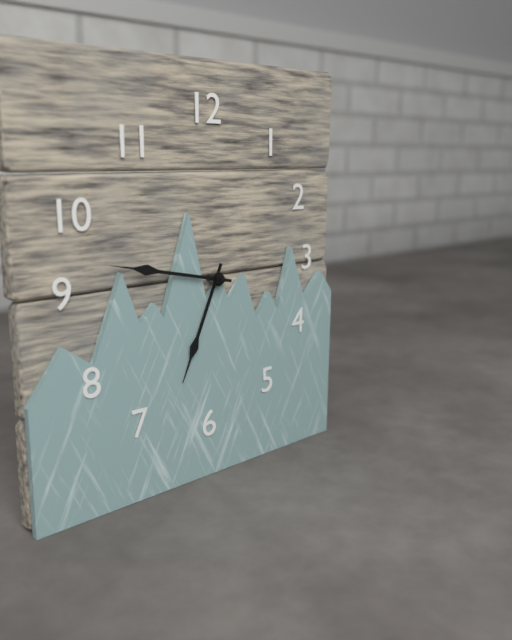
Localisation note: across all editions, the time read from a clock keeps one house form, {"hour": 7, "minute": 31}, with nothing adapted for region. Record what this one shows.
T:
{"hour": 6, "minute": 47}
